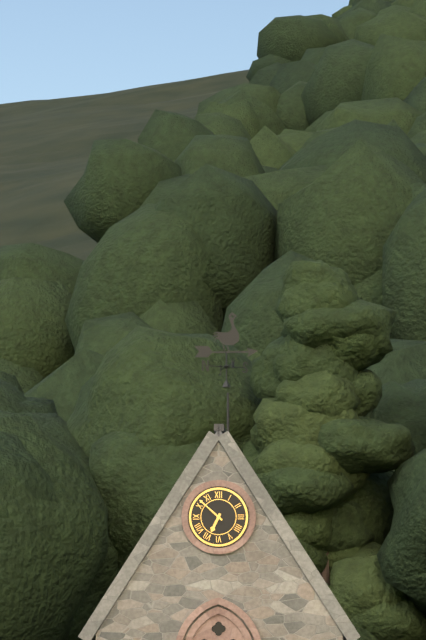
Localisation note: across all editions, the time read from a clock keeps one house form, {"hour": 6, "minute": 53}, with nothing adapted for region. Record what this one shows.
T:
{"hour": 6, "minute": 52}
